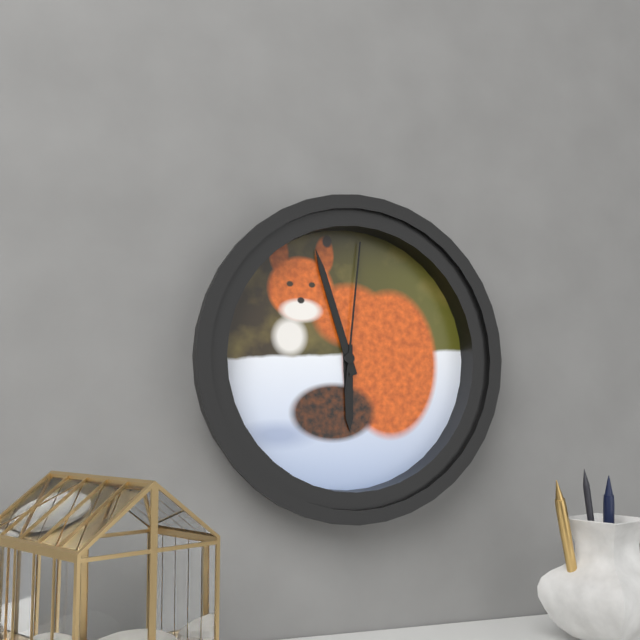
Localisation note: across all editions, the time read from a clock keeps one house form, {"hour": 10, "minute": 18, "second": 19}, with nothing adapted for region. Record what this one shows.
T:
{"hour": 5, "minute": 57, "second": 1}
